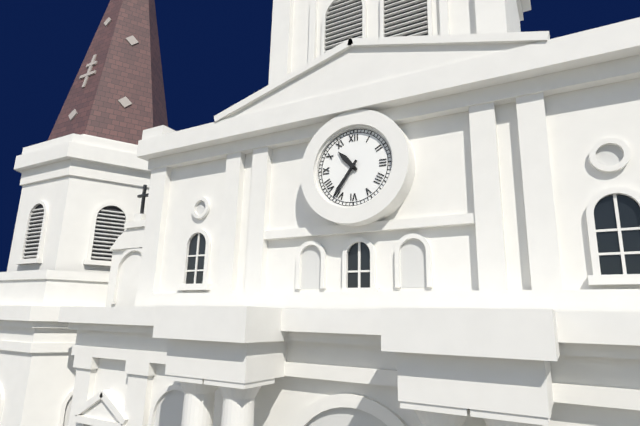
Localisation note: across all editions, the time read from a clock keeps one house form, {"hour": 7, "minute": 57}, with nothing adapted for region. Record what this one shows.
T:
{"hour": 10, "minute": 36}
